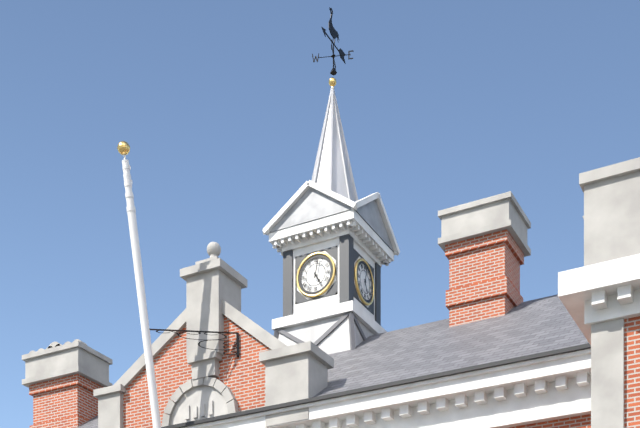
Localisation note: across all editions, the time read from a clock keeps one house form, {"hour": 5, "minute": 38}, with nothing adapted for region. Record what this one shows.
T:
{"hour": 5, "minute": 2}
